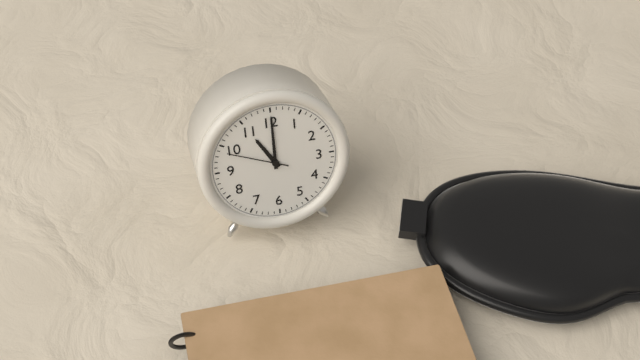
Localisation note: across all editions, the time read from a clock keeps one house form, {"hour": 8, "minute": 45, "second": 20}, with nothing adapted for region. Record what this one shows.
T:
{"hour": 11, "minute": 0, "second": 49}
